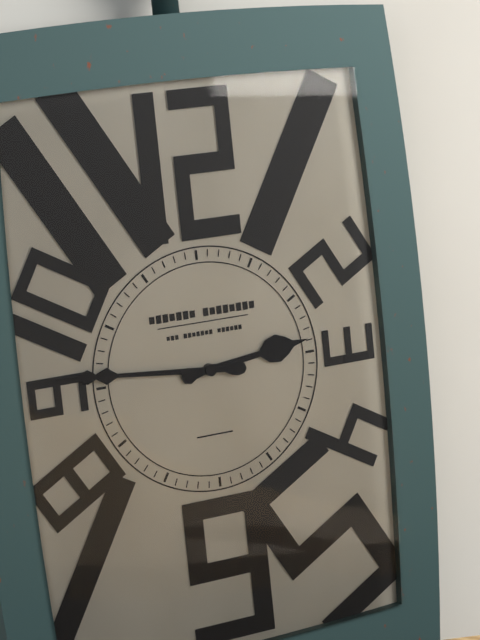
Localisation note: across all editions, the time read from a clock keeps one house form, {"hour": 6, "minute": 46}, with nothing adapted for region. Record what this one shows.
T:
{"hour": 2, "minute": 46}
